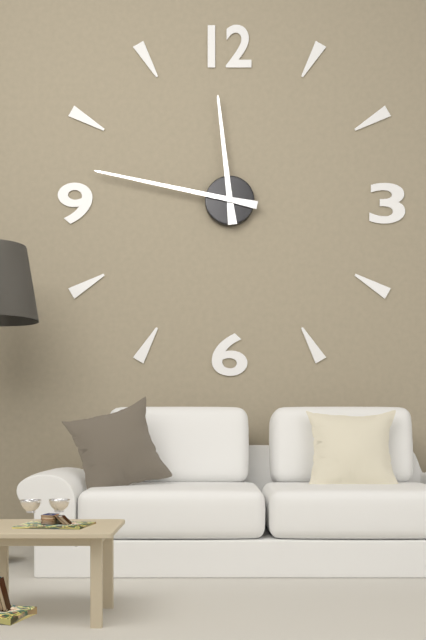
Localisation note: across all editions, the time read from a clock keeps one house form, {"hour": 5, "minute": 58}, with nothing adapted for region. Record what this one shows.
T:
{"hour": 11, "minute": 47}
